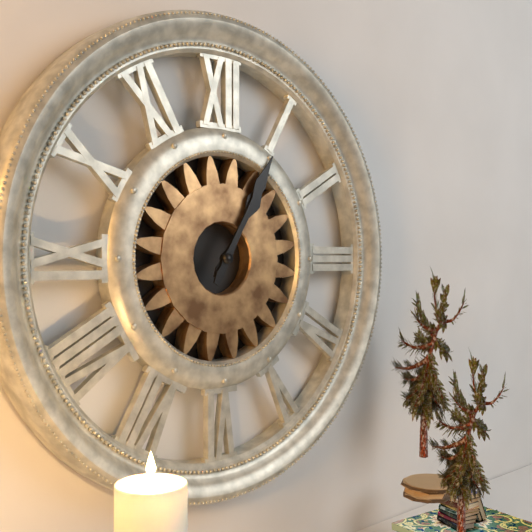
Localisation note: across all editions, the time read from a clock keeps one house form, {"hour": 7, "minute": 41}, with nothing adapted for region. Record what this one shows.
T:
{"hour": 1, "minute": 5}
